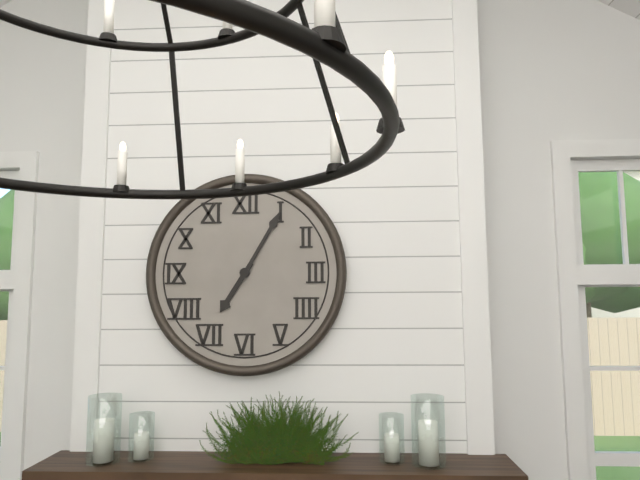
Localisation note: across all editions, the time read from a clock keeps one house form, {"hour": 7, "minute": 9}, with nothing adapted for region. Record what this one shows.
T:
{"hour": 7, "minute": 5}
